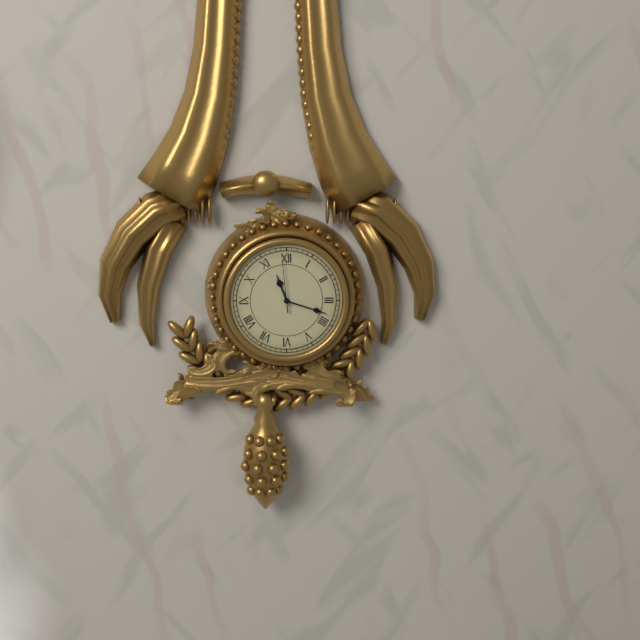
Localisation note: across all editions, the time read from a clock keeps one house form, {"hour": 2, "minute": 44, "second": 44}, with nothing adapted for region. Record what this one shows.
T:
{"hour": 11, "minute": 18, "second": 59}
